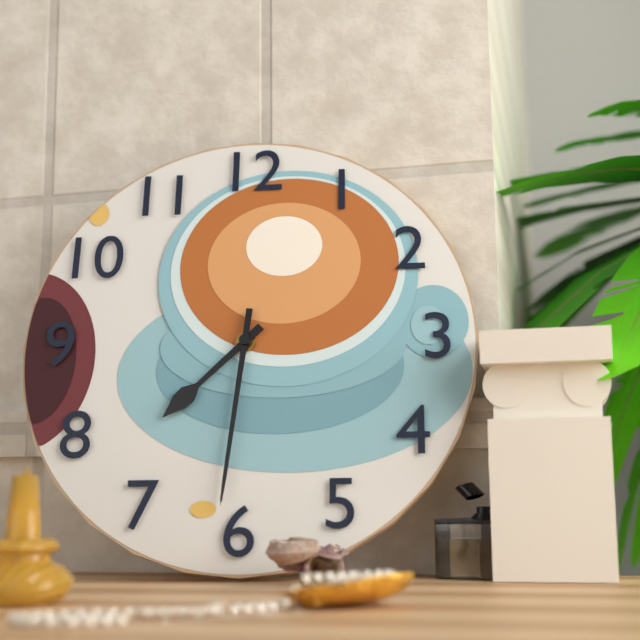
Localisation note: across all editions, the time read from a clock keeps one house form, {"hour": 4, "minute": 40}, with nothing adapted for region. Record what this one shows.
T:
{"hour": 7, "minute": 31}
